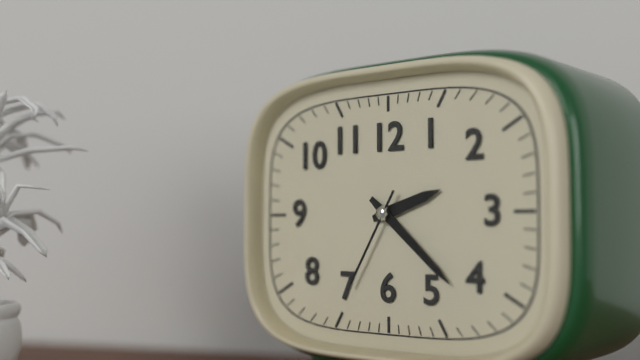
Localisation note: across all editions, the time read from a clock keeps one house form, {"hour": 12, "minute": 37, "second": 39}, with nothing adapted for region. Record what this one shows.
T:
{"hour": 2, "minute": 22, "second": 35}
